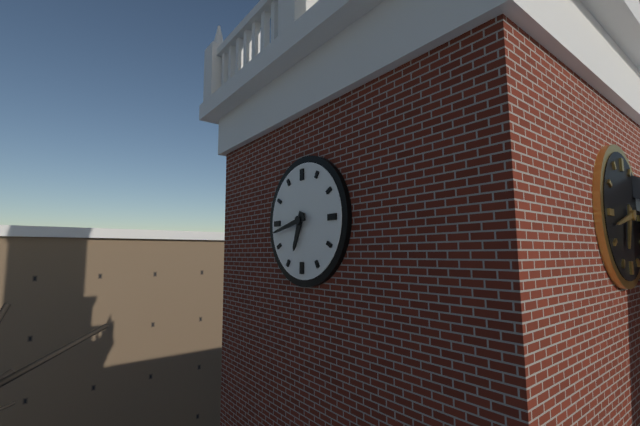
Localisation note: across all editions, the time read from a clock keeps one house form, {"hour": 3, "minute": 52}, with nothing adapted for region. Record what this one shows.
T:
{"hour": 6, "minute": 43}
